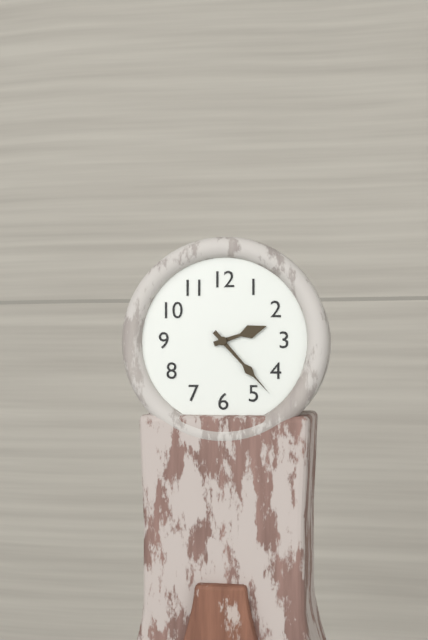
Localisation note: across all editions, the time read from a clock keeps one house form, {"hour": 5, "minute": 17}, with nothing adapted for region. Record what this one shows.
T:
{"hour": 2, "minute": 23}
